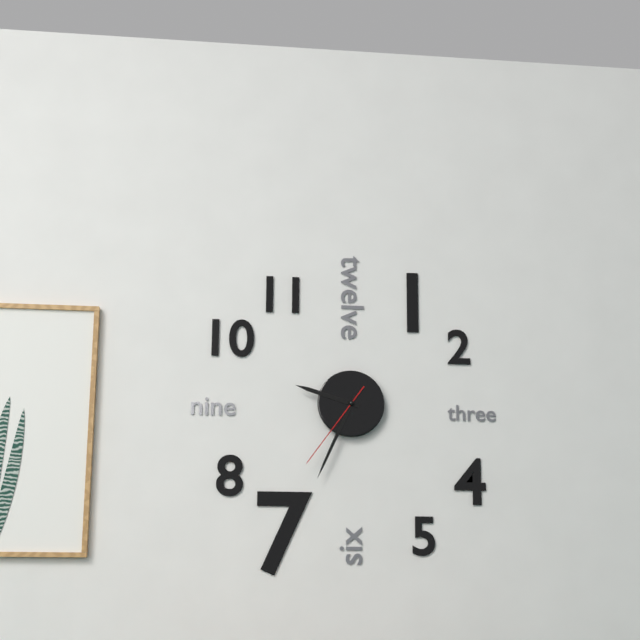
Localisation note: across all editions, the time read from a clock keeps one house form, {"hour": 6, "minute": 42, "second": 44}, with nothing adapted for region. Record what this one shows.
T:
{"hour": 9, "minute": 34, "second": 36}
